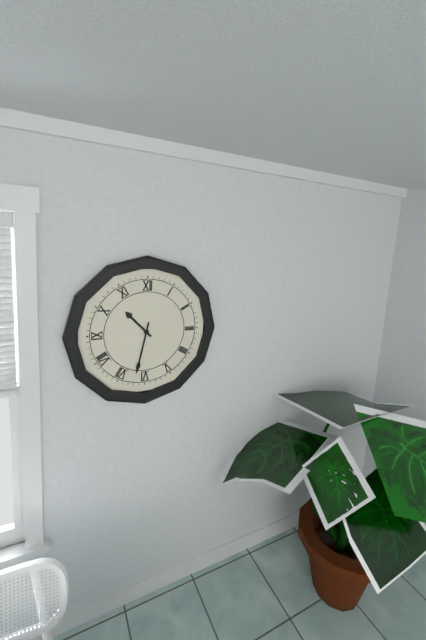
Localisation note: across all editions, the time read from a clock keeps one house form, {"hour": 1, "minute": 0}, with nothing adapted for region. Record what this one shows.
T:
{"hour": 10, "minute": 32}
